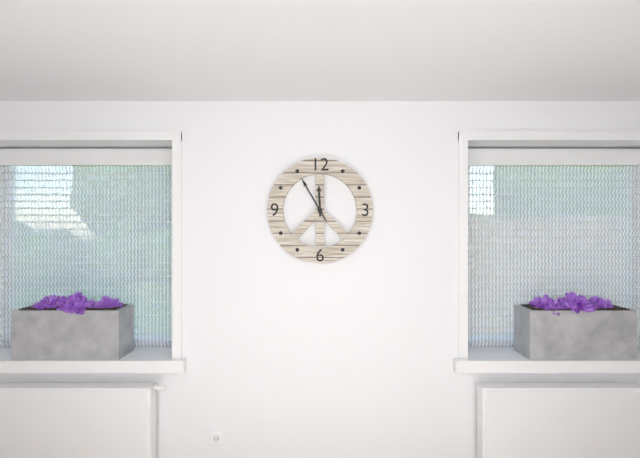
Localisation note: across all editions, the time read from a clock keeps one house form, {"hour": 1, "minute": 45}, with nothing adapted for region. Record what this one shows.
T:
{"hour": 11, "minute": 55}
